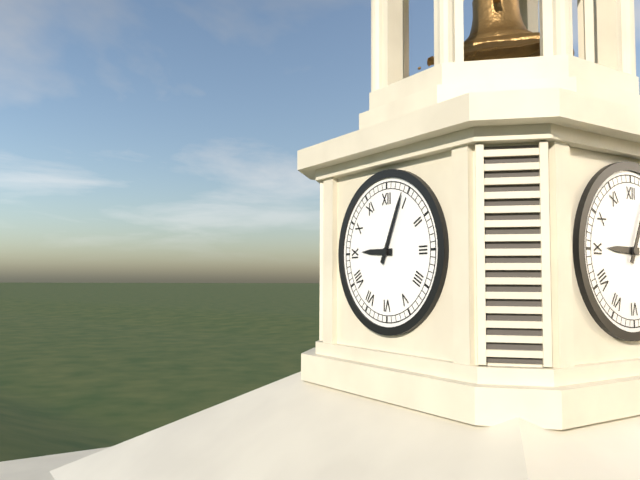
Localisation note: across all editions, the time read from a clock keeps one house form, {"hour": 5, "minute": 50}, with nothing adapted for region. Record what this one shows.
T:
{"hour": 9, "minute": 4}
